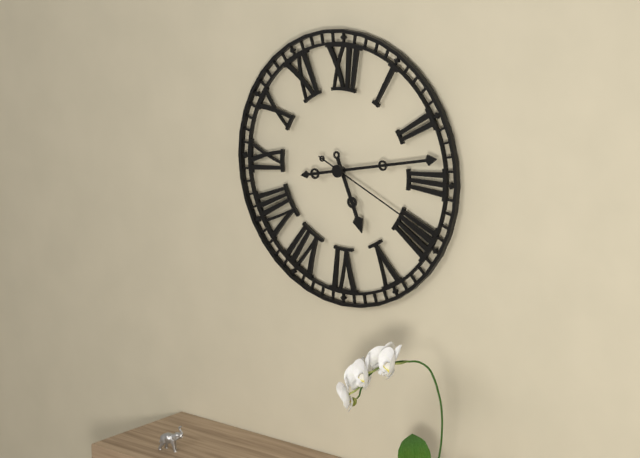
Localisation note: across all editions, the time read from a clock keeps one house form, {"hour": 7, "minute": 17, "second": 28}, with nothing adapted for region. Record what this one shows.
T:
{"hour": 5, "minute": 13, "second": 19}
